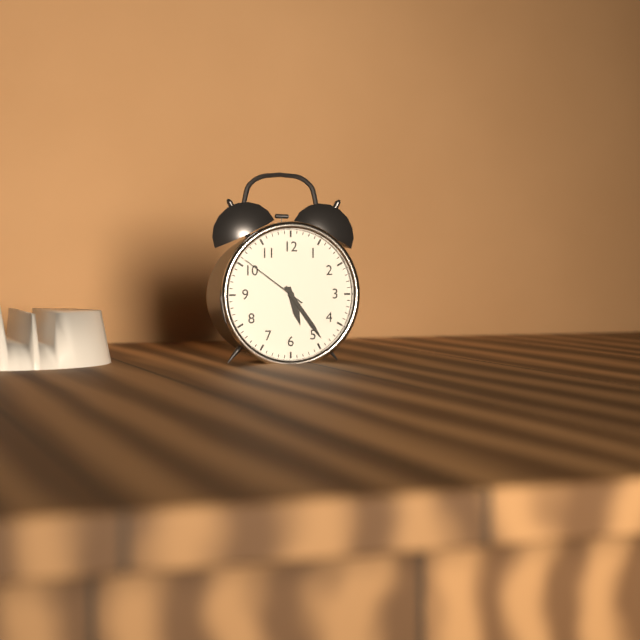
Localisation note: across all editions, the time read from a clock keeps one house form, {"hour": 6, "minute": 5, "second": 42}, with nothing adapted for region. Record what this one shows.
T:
{"hour": 5, "minute": 24, "second": 51}
